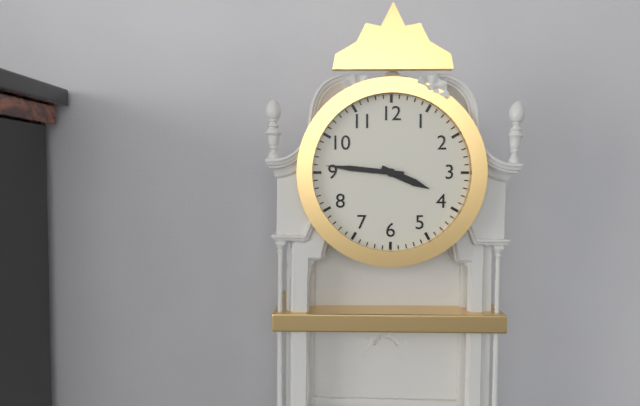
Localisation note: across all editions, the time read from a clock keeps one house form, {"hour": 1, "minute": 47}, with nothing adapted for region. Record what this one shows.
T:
{"hour": 3, "minute": 46}
